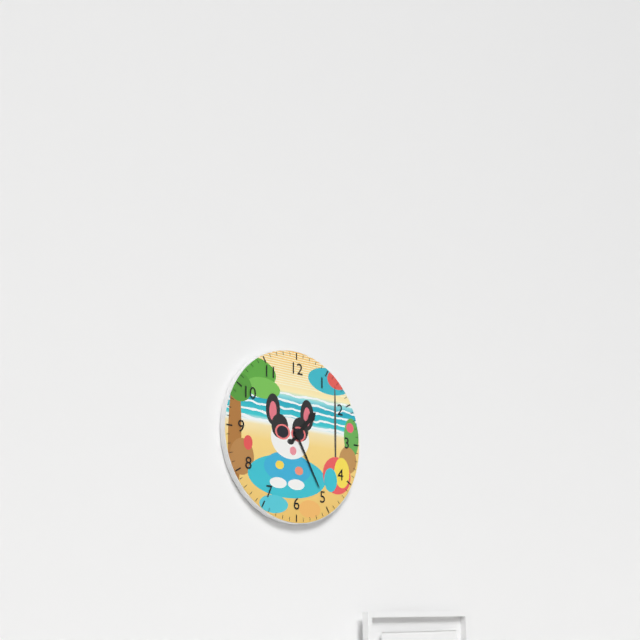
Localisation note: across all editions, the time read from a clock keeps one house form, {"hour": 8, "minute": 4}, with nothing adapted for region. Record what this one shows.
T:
{"hour": 1, "minute": 25}
